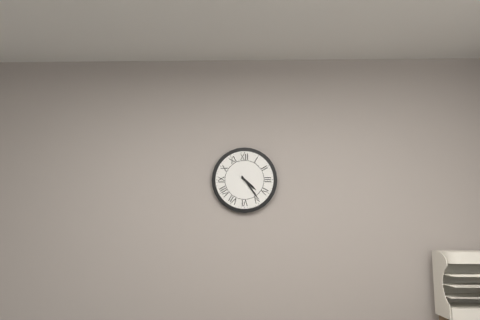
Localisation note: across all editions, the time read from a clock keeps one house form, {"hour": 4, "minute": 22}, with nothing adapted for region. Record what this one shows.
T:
{"hour": 4, "minute": 24}
